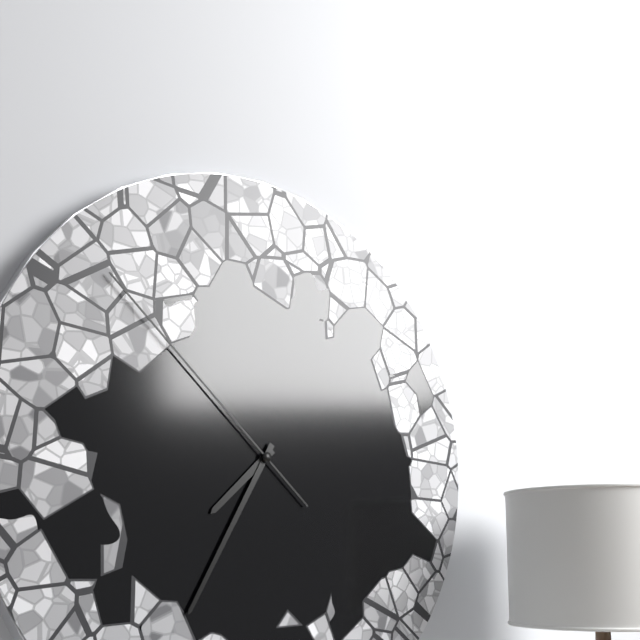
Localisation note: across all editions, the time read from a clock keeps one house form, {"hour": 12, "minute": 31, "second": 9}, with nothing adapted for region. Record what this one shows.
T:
{"hour": 7, "minute": 35, "second": 52}
